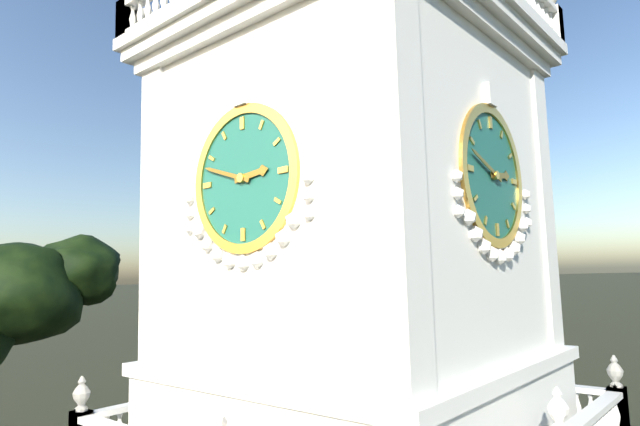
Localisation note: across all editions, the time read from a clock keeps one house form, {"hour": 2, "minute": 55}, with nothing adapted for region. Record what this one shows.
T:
{"hour": 2, "minute": 48}
